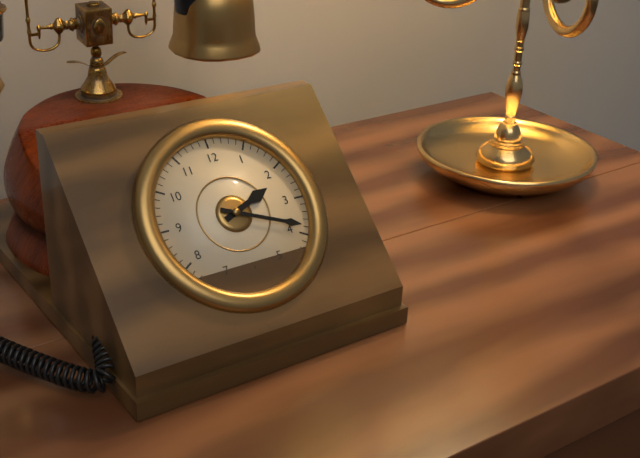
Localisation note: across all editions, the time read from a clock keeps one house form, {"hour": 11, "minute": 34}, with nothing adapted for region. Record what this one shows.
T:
{"hour": 2, "minute": 19}
